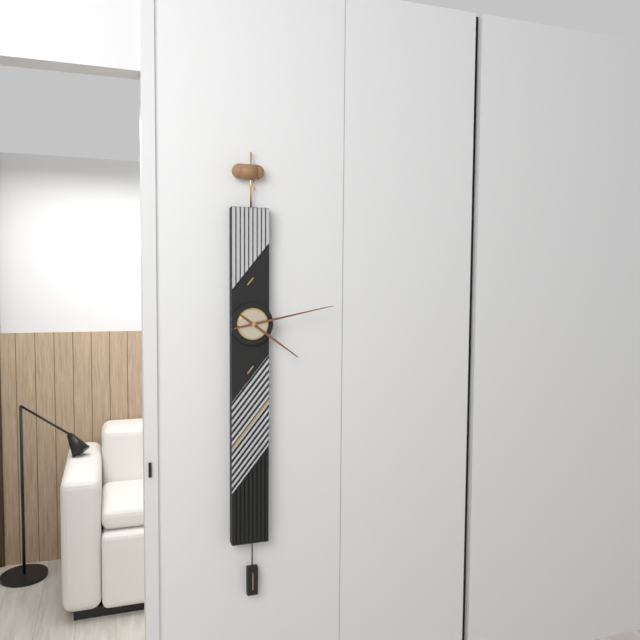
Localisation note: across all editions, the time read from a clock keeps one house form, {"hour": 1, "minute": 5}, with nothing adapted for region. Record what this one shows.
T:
{"hour": 4, "minute": 13}
